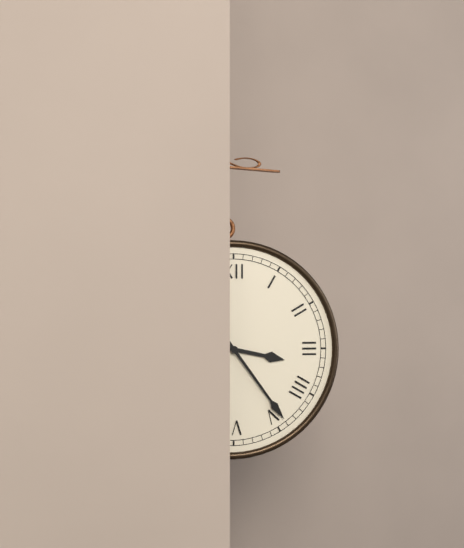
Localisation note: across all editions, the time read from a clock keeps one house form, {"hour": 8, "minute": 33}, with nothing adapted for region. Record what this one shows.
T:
{"hour": 3, "minute": 24}
